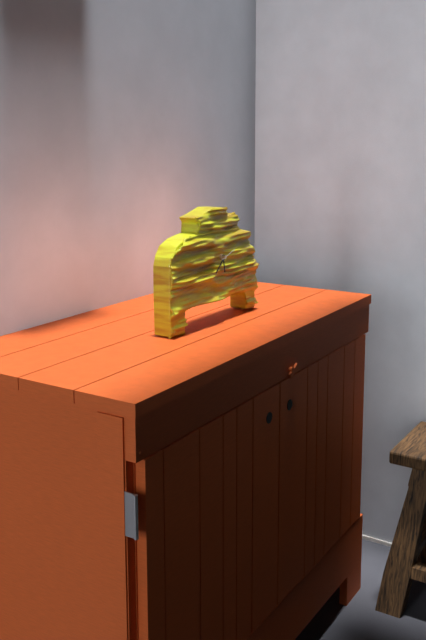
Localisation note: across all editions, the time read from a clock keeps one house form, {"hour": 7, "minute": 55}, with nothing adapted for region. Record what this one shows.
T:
{"hour": 5, "minute": 38}
